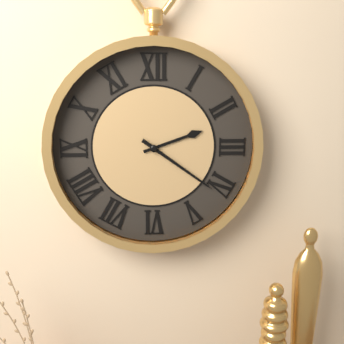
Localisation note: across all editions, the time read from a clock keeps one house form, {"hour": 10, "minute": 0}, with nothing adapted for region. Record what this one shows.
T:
{"hour": 2, "minute": 21}
